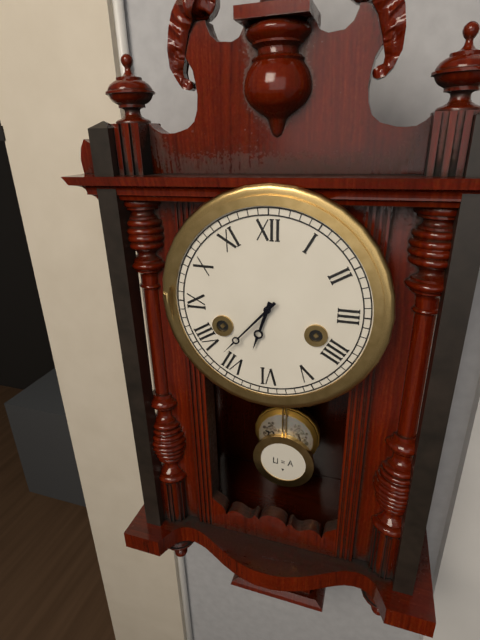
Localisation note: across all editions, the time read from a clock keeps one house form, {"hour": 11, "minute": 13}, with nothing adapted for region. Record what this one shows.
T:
{"hour": 6, "minute": 37}
